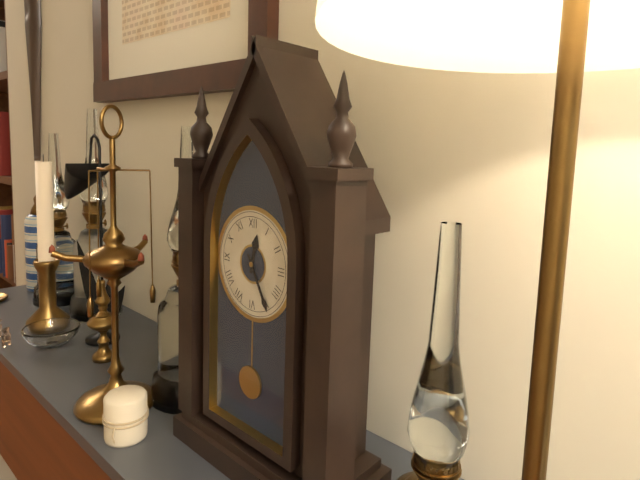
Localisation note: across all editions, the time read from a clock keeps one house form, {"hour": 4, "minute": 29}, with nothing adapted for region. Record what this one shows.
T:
{"hour": 12, "minute": 25}
